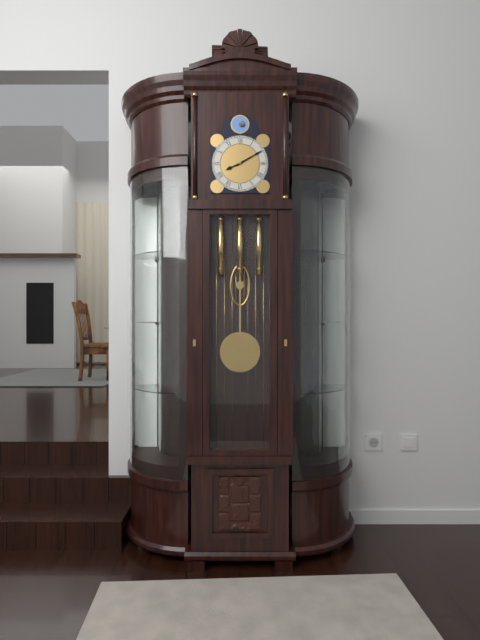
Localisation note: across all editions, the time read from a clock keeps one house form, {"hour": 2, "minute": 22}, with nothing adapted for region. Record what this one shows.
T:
{"hour": 8, "minute": 10}
